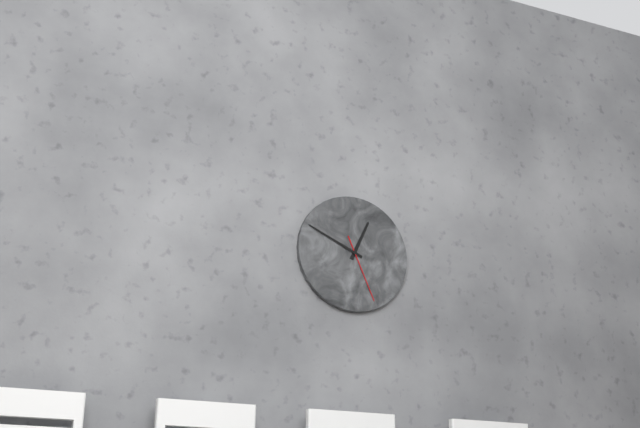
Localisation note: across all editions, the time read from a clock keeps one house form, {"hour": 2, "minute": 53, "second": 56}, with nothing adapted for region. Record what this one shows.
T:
{"hour": 12, "minute": 49, "second": 26}
